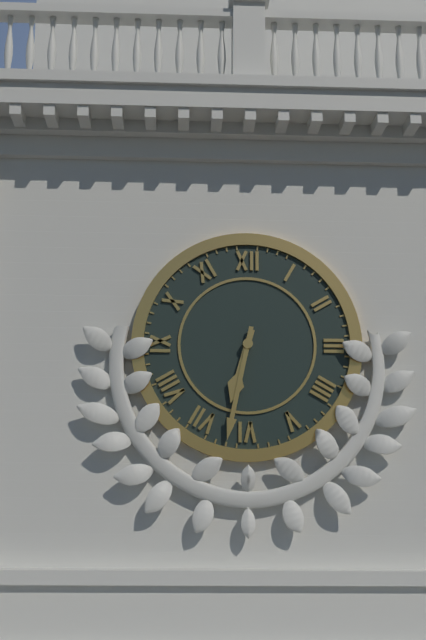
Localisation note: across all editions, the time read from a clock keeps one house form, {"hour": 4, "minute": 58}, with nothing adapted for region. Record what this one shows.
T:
{"hour": 6, "minute": 32}
